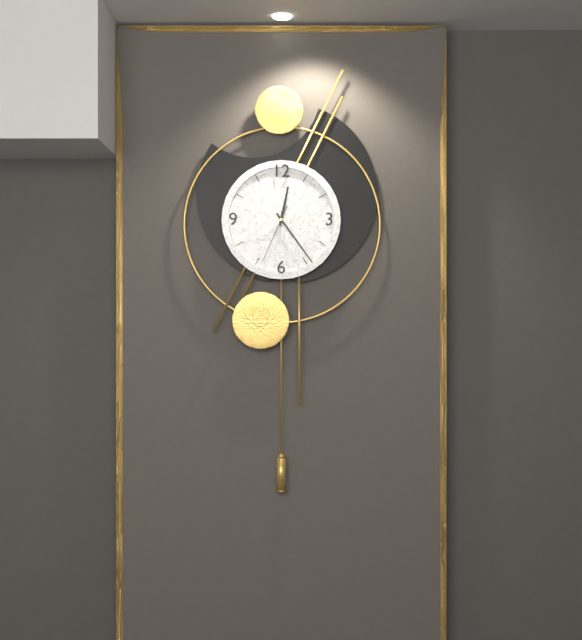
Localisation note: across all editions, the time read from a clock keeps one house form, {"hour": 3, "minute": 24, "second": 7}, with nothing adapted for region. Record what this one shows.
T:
{"hour": 12, "minute": 24, "second": 34}
